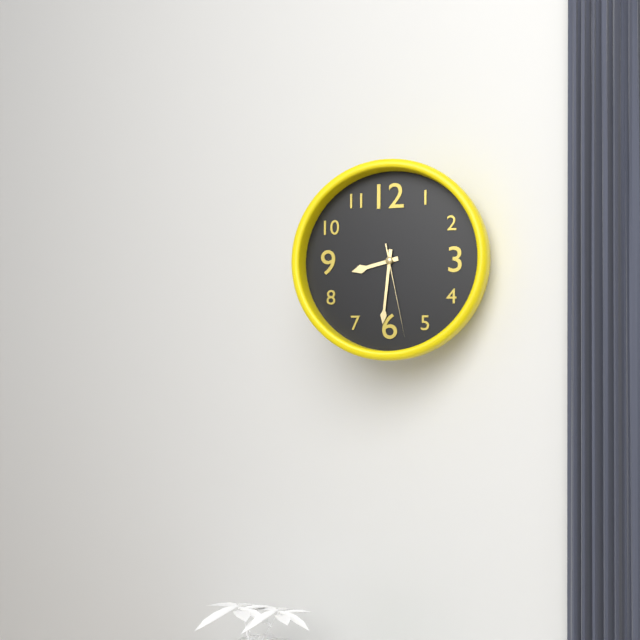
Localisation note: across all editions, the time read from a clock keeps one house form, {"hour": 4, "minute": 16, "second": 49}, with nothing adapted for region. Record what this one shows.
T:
{"hour": 8, "minute": 31, "second": 28}
